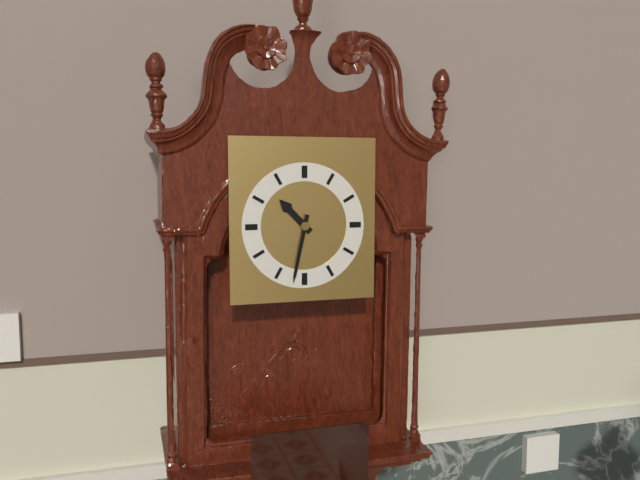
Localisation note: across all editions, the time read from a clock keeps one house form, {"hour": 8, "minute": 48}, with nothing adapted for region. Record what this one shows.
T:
{"hour": 10, "minute": 32}
